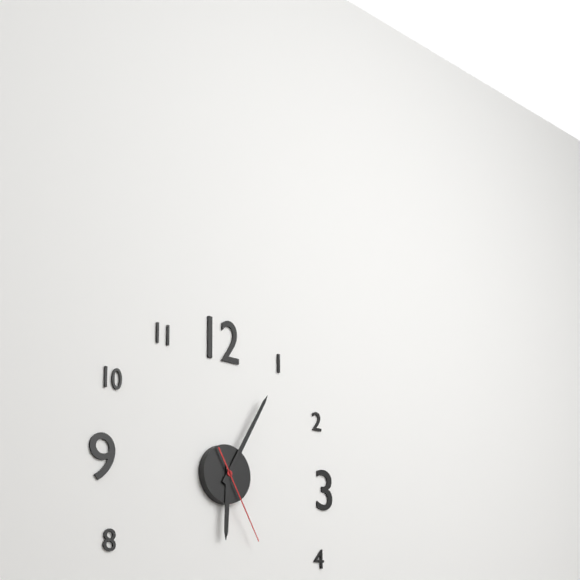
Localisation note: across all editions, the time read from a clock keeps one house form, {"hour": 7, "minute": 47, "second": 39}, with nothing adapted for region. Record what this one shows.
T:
{"hour": 6, "minute": 5, "second": 25}
